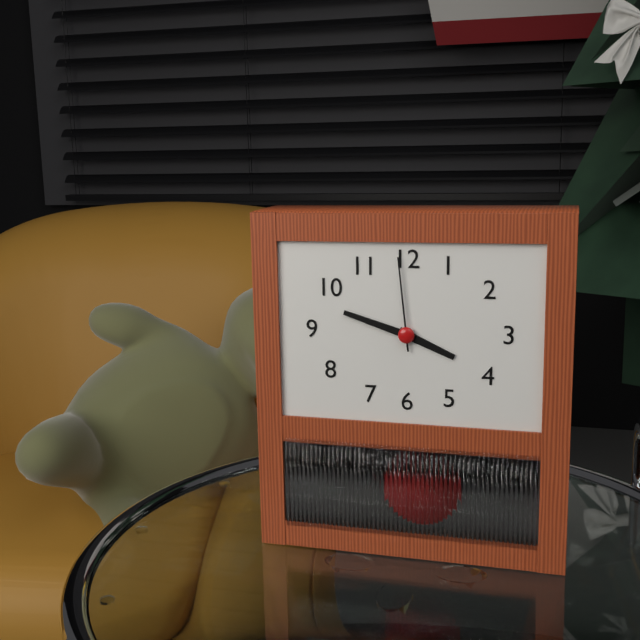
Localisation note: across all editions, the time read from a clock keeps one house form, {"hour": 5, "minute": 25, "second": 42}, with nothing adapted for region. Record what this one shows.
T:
{"hour": 3, "minute": 48, "second": 59}
